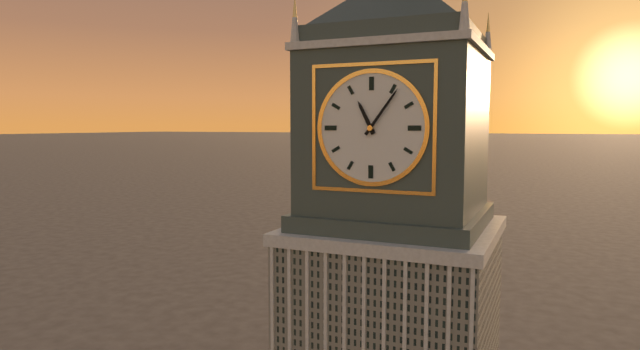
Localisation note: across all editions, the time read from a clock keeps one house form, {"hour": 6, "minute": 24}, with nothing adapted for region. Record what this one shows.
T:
{"hour": 11, "minute": 6}
